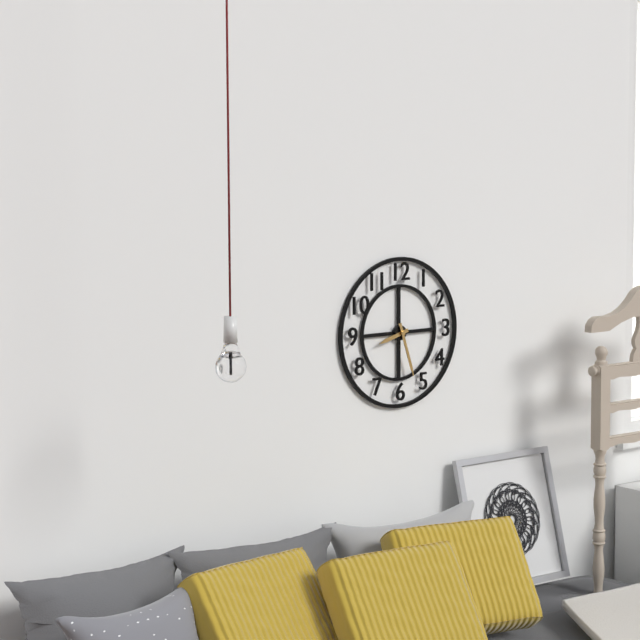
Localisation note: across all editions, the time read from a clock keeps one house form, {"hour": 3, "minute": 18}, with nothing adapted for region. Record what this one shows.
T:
{"hour": 8, "minute": 27}
